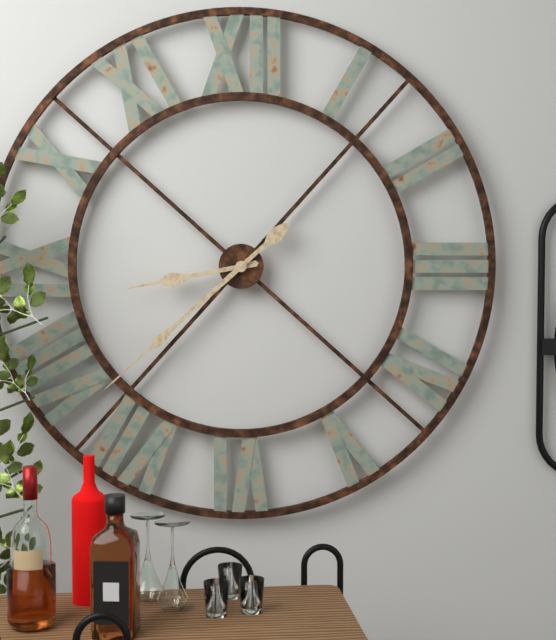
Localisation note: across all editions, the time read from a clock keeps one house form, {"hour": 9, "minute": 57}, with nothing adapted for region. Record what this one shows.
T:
{"hour": 8, "minute": 38}
